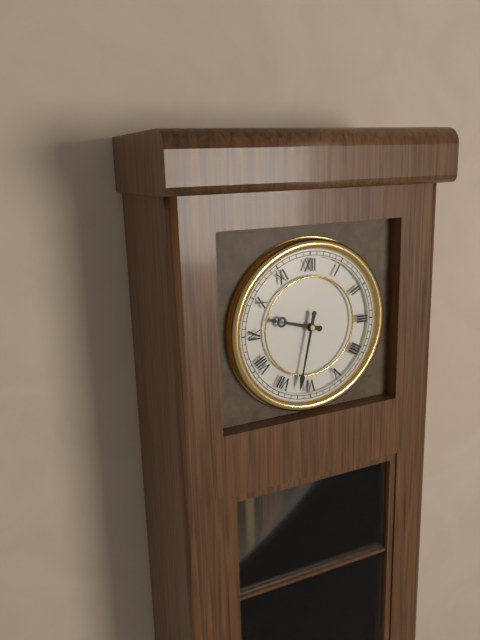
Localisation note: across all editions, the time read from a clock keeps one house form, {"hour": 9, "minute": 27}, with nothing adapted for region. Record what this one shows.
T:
{"hour": 9, "minute": 32}
